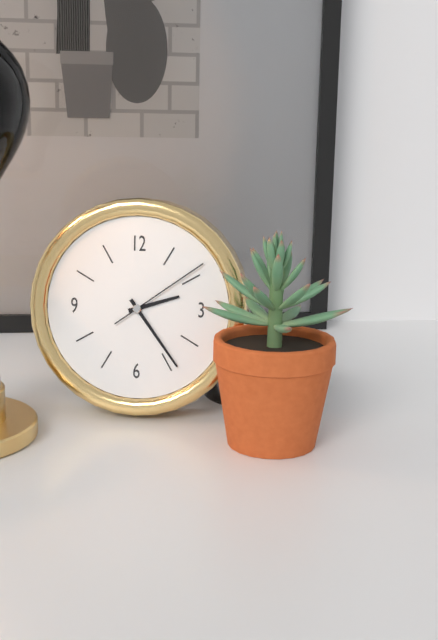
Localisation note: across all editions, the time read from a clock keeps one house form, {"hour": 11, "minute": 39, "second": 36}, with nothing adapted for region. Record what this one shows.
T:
{"hour": 2, "minute": 24, "second": 9}
